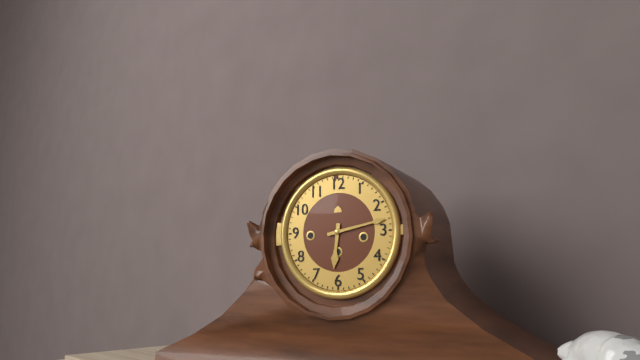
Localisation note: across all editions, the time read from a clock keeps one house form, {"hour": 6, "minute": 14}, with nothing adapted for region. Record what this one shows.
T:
{"hour": 6, "minute": 13}
